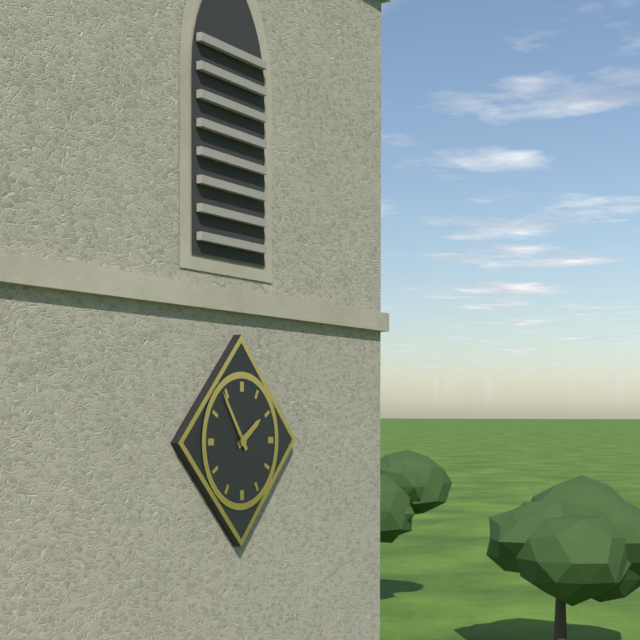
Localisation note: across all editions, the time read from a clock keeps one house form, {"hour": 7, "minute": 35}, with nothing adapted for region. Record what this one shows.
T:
{"hour": 1, "minute": 54}
